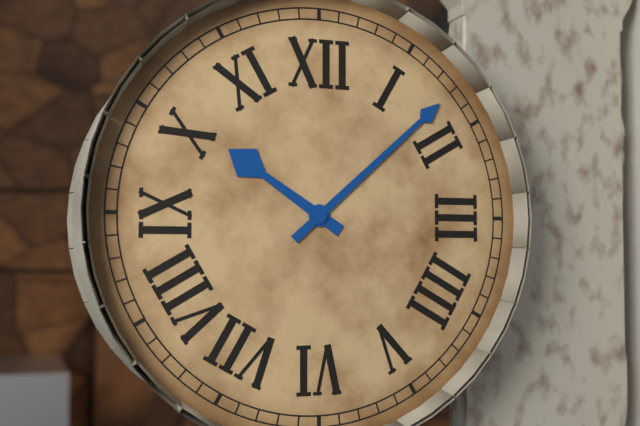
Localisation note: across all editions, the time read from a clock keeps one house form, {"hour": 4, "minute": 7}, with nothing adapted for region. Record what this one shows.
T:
{"hour": 10, "minute": 8}
